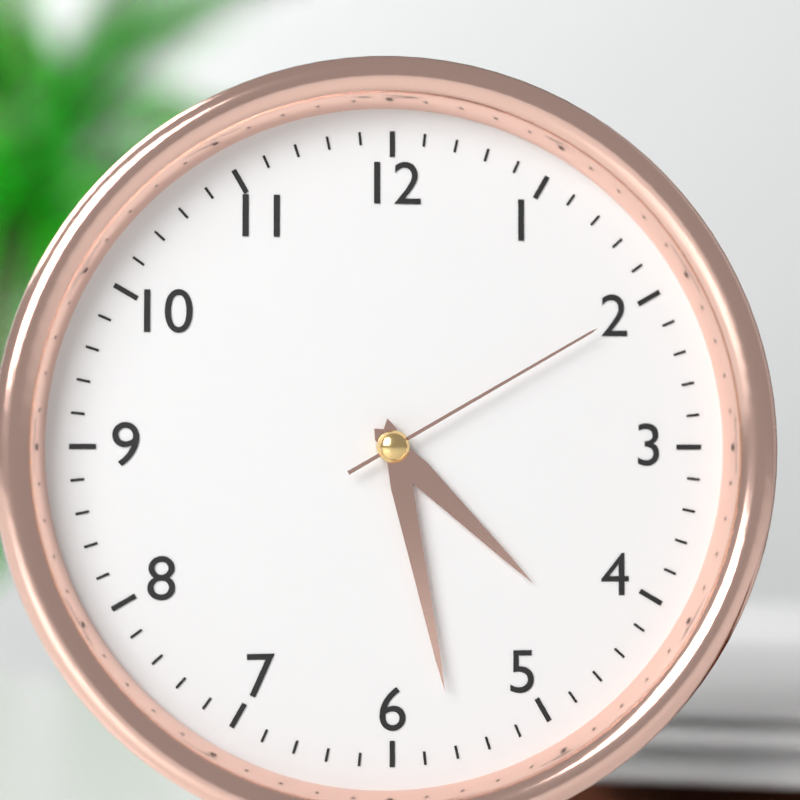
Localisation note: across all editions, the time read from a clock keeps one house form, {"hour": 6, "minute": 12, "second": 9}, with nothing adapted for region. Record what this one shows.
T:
{"hour": 4, "minute": 28, "second": 10}
